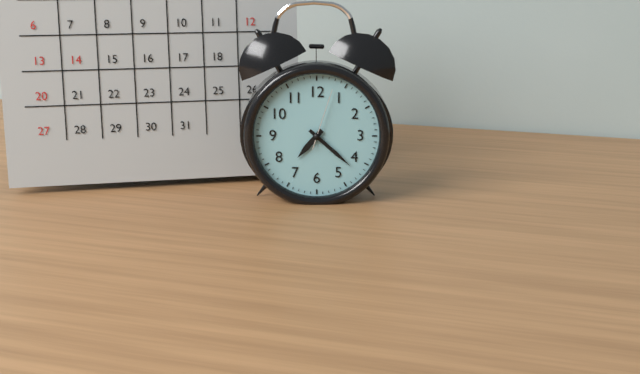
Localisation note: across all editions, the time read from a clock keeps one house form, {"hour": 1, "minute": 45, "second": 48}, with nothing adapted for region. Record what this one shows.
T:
{"hour": 7, "minute": 22, "second": 3}
